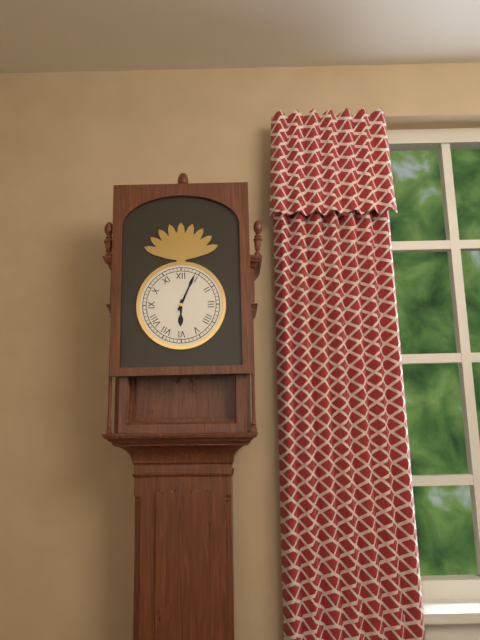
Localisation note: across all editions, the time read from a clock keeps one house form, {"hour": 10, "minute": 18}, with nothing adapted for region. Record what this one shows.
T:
{"hour": 6, "minute": 4}
